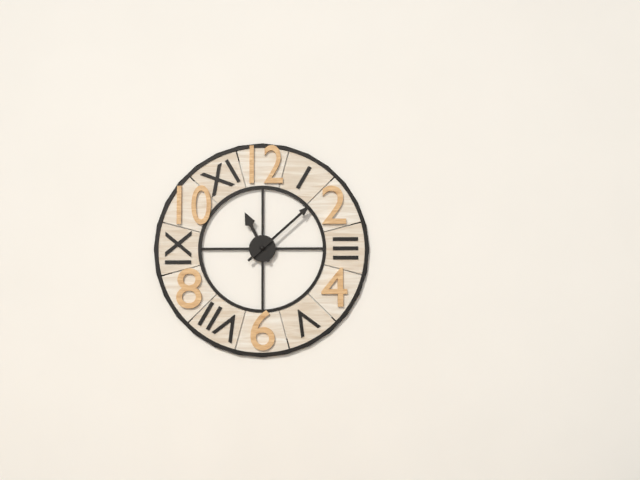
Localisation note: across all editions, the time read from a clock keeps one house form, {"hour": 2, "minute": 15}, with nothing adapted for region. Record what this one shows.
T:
{"hour": 11, "minute": 8}
